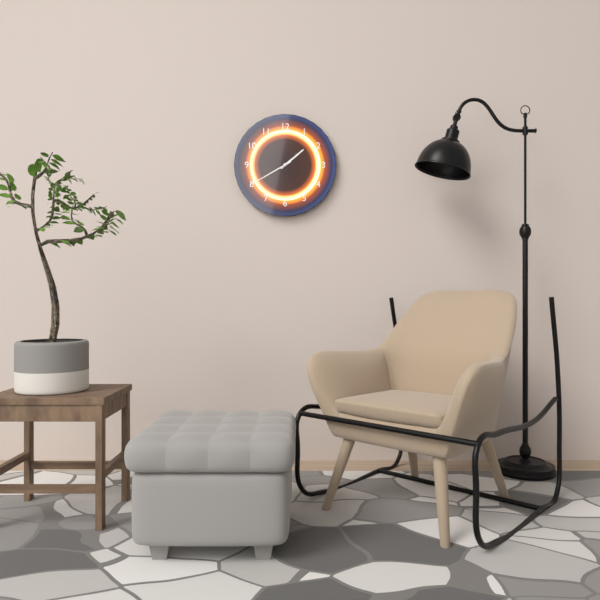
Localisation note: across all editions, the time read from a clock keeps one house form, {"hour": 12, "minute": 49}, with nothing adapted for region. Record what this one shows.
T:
{"hour": 1, "minute": 40}
